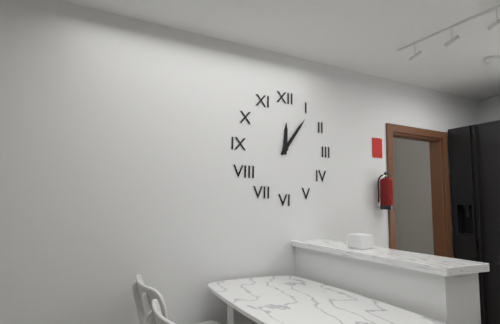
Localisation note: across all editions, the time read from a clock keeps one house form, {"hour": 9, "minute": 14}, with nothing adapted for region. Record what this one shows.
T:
{"hour": 12, "minute": 6}
